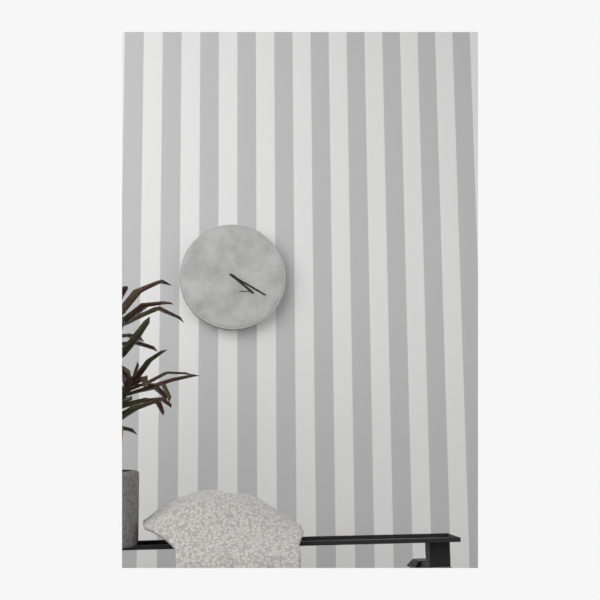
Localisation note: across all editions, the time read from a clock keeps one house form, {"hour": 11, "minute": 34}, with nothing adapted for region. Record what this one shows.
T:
{"hour": 4, "minute": 20}
